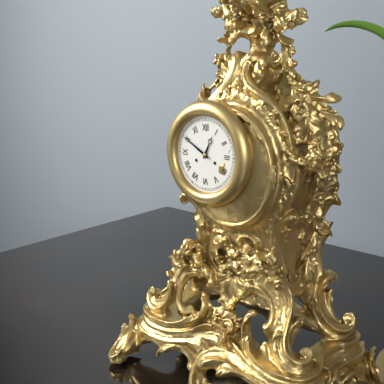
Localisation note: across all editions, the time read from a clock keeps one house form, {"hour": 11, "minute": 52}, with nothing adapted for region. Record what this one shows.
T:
{"hour": 12, "minute": 50}
